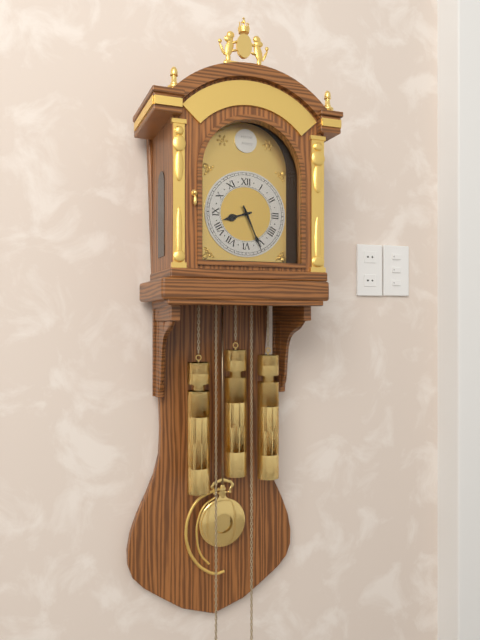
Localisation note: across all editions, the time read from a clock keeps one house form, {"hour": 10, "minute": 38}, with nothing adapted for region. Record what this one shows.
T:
{"hour": 8, "minute": 26}
